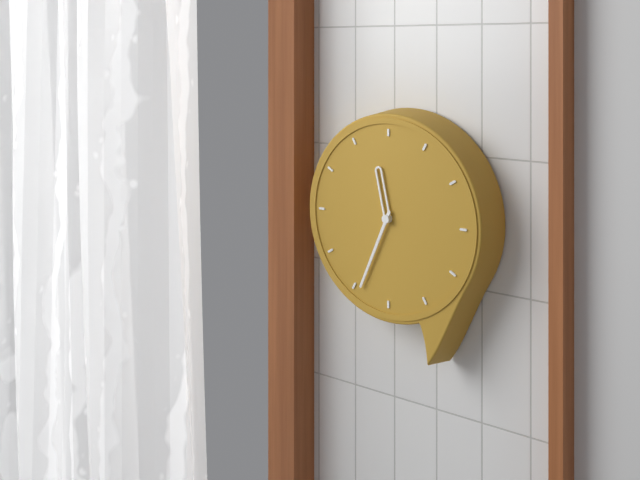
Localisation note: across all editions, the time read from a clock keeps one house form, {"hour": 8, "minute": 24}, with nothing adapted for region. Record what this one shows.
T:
{"hour": 11, "minute": 34}
